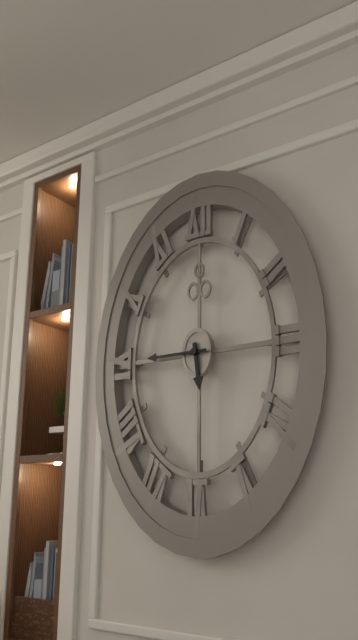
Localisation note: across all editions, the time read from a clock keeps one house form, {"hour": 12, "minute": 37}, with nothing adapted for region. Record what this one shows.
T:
{"hour": 5, "minute": 45}
